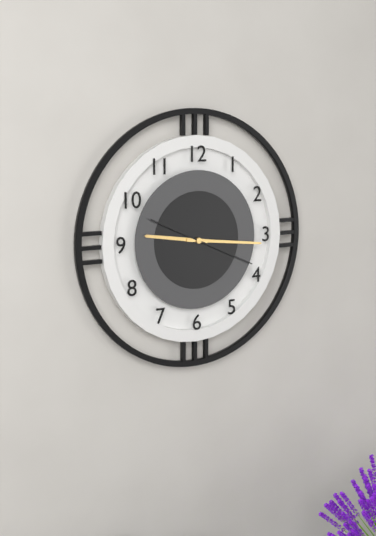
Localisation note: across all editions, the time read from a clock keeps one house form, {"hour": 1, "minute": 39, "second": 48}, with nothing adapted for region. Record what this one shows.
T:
{"hour": 9, "minute": 16, "second": 19}
